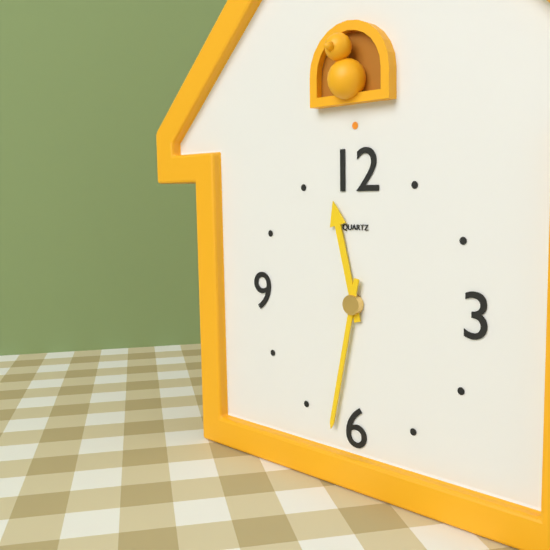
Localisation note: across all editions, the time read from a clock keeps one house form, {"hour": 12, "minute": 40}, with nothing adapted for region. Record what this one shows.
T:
{"hour": 11, "minute": 32}
